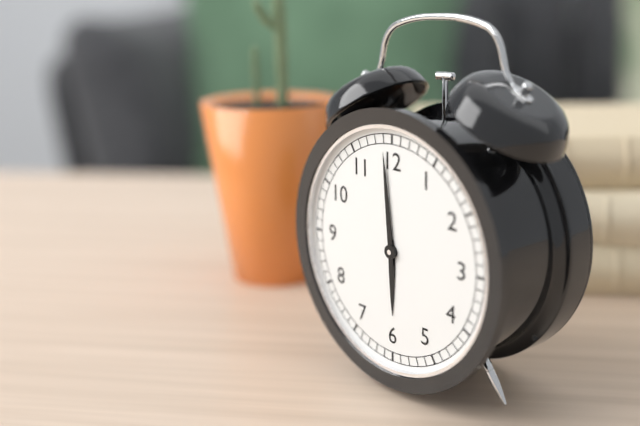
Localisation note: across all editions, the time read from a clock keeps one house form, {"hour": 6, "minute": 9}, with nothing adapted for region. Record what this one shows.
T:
{"hour": 5, "minute": 59}
